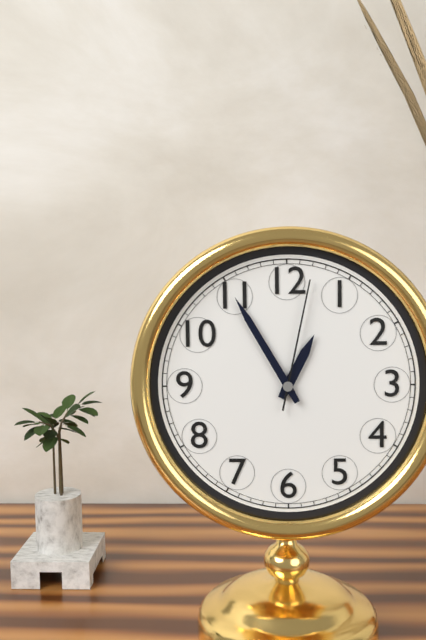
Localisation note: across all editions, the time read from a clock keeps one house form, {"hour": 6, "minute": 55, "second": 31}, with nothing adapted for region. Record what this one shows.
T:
{"hour": 12, "minute": 55, "second": 2}
